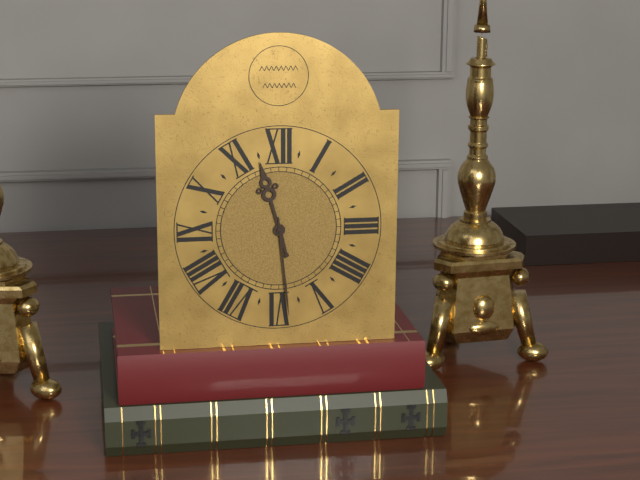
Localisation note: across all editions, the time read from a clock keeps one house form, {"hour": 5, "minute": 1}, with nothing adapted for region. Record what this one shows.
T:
{"hour": 11, "minute": 29}
